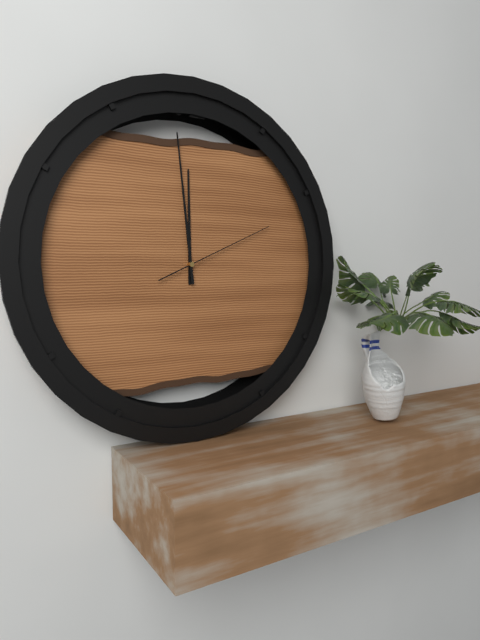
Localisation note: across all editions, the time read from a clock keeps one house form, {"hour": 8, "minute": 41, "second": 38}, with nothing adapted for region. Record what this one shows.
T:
{"hour": 11, "minute": 59, "second": 11}
